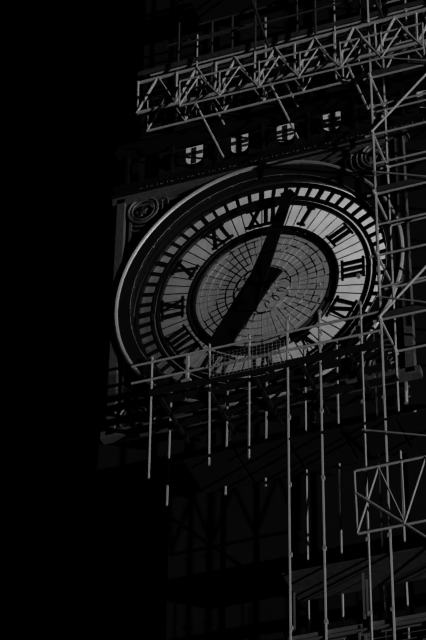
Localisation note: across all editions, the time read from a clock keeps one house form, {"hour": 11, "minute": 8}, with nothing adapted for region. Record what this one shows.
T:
{"hour": 7, "minute": 3}
